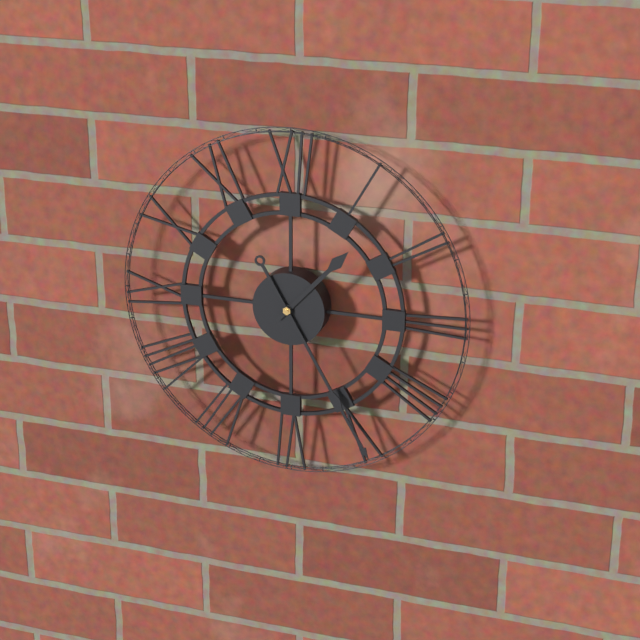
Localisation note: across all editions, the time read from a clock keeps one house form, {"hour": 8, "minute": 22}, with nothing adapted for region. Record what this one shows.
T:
{"hour": 1, "minute": 25}
